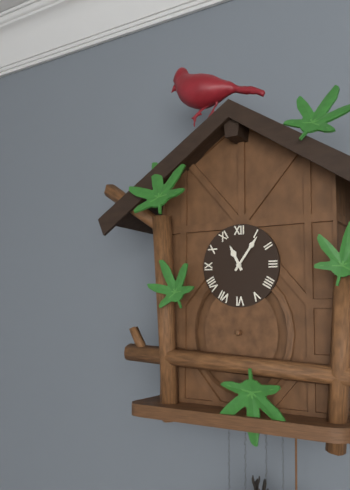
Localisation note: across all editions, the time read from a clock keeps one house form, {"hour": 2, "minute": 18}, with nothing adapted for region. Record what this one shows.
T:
{"hour": 11, "minute": 6}
